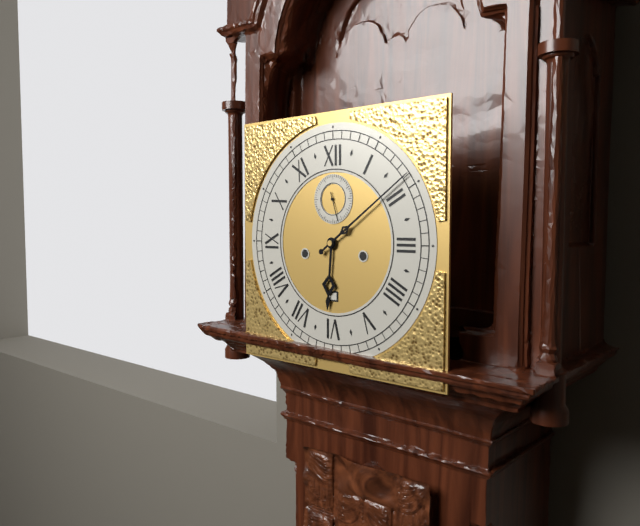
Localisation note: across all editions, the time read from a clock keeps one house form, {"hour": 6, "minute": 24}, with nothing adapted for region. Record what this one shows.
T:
{"hour": 6, "minute": 9}
